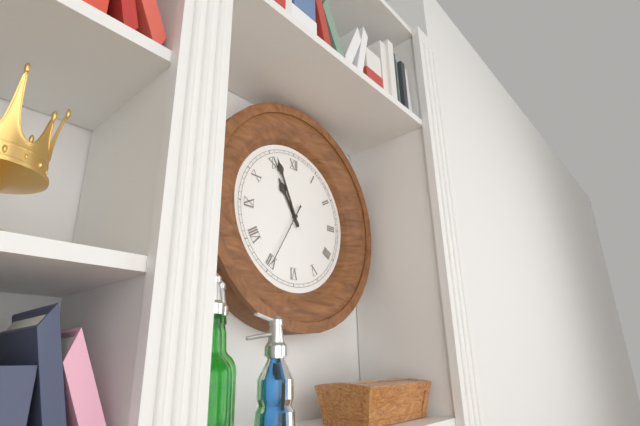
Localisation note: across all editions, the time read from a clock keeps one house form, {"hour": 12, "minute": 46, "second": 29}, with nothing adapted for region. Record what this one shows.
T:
{"hour": 10, "minute": 56, "second": 35}
